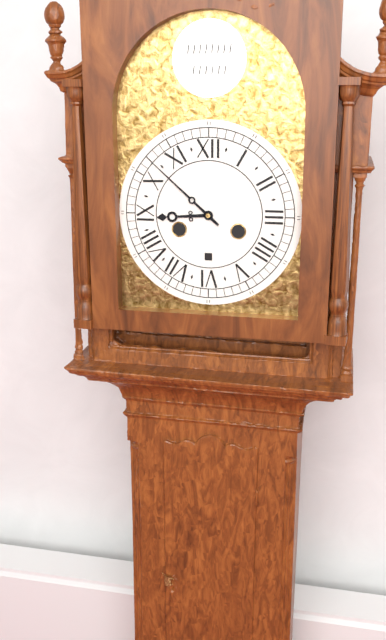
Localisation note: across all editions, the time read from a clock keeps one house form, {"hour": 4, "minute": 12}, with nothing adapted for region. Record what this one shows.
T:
{"hour": 8, "minute": 52}
